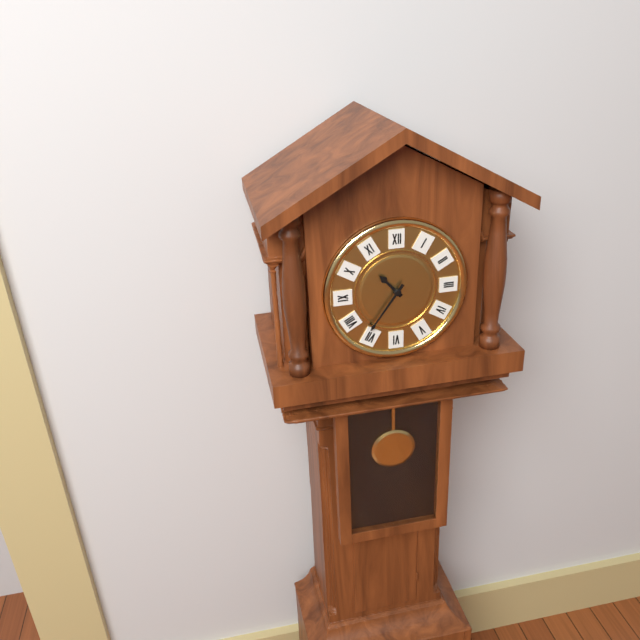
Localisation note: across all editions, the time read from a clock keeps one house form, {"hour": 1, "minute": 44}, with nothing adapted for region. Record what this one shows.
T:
{"hour": 10, "minute": 36}
